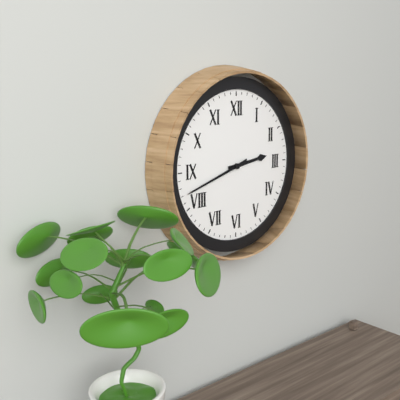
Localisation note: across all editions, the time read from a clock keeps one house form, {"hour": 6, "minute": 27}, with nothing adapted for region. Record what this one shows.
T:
{"hour": 2, "minute": 42}
